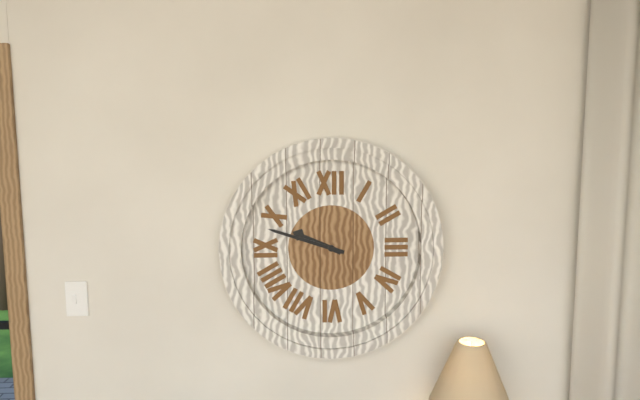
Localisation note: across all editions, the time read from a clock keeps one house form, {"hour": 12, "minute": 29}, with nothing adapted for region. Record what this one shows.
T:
{"hour": 9, "minute": 48}
